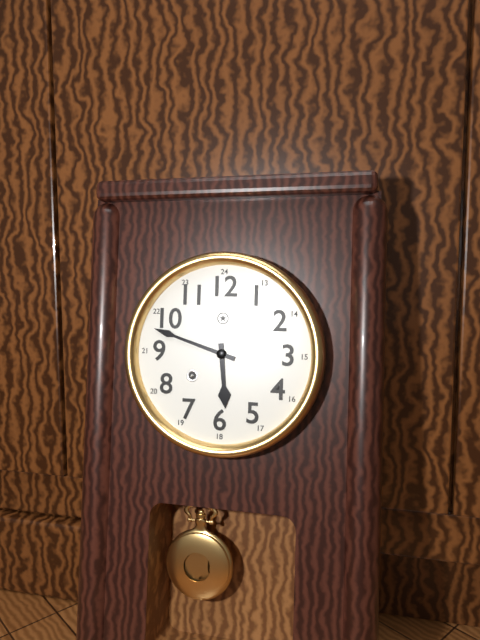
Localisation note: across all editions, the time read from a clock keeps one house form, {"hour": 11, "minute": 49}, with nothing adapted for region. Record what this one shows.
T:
{"hour": 5, "minute": 48}
